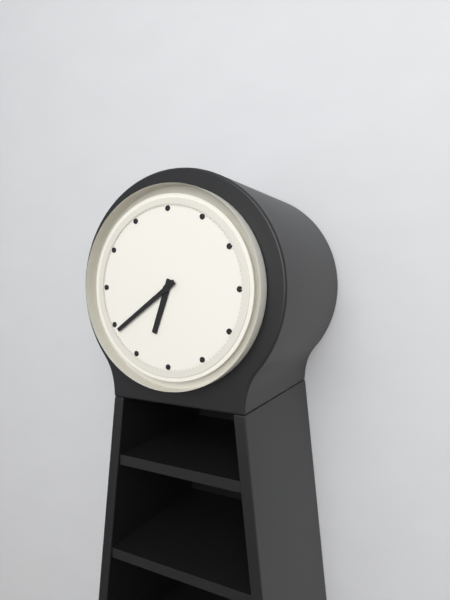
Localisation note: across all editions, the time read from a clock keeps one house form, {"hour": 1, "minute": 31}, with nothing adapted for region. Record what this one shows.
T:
{"hour": 6, "minute": 39}
